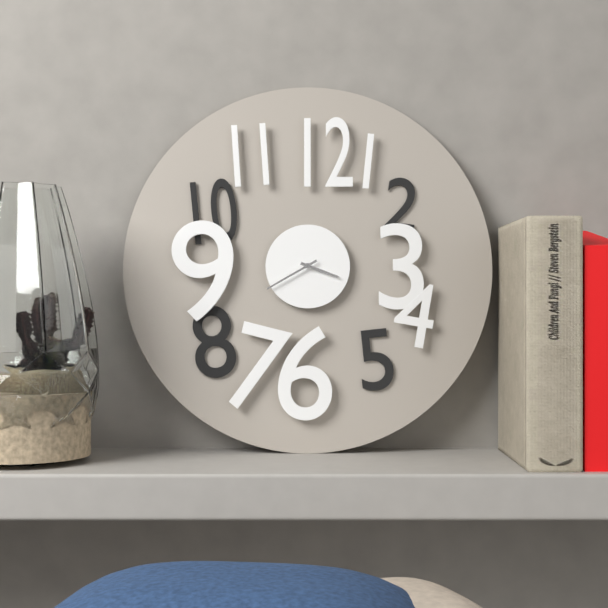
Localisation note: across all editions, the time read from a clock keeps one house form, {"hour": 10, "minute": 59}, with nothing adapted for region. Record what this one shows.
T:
{"hour": 3, "minute": 40}
